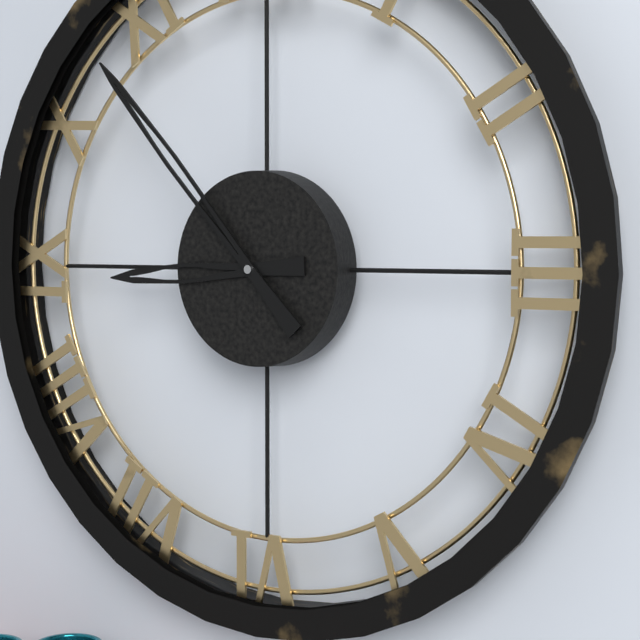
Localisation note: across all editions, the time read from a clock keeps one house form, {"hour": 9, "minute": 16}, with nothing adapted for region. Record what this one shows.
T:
{"hour": 8, "minute": 53}
